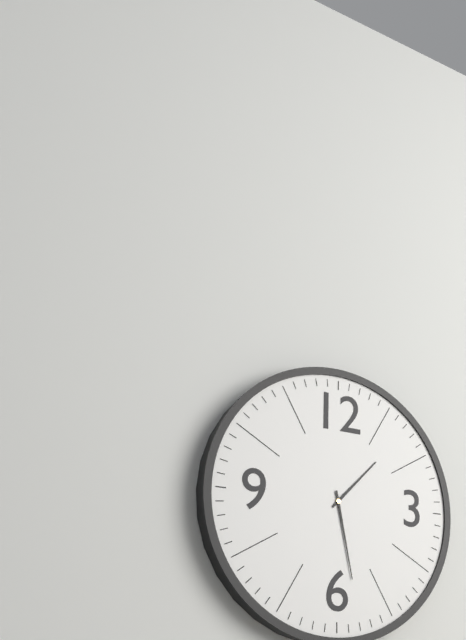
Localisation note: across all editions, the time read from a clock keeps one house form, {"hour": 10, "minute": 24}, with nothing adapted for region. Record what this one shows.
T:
{"hour": 1, "minute": 28}
